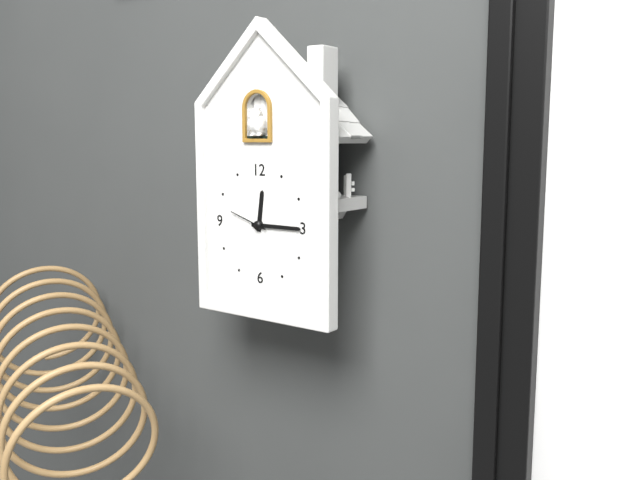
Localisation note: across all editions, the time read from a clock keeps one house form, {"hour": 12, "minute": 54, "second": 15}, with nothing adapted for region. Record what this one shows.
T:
{"hour": 12, "minute": 15, "second": 48}
